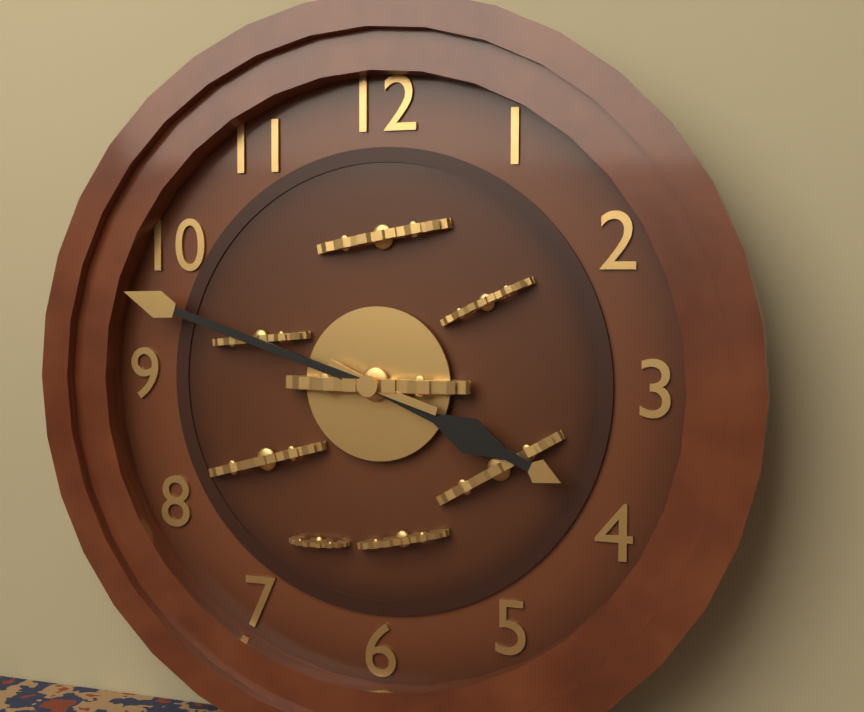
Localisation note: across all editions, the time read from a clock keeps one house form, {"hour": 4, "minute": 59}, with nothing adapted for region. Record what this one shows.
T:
{"hour": 3, "minute": 48}
